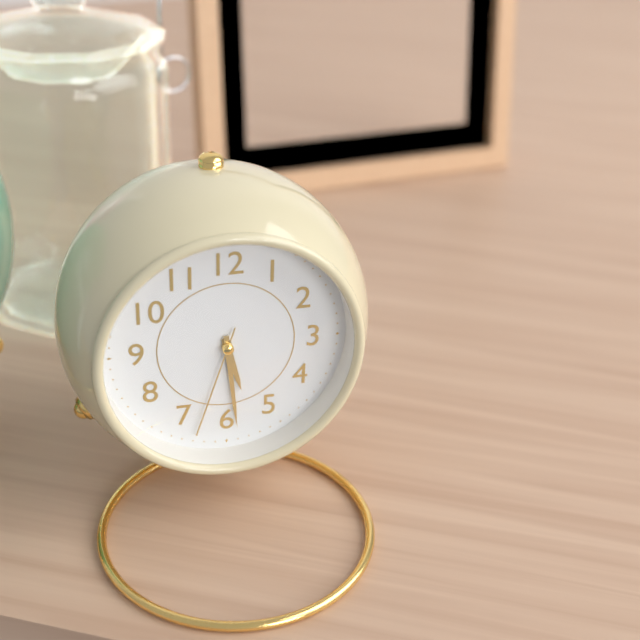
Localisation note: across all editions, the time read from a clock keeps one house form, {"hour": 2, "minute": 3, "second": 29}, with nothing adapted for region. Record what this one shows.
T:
{"hour": 5, "minute": 29, "second": 33}
